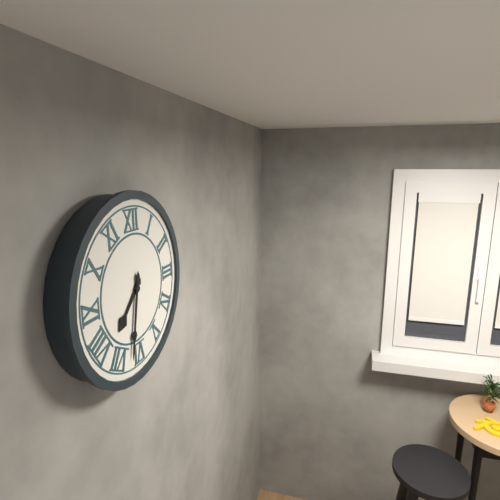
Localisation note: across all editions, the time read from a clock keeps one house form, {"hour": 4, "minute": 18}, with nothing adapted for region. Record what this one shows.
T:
{"hour": 7, "minute": 32}
